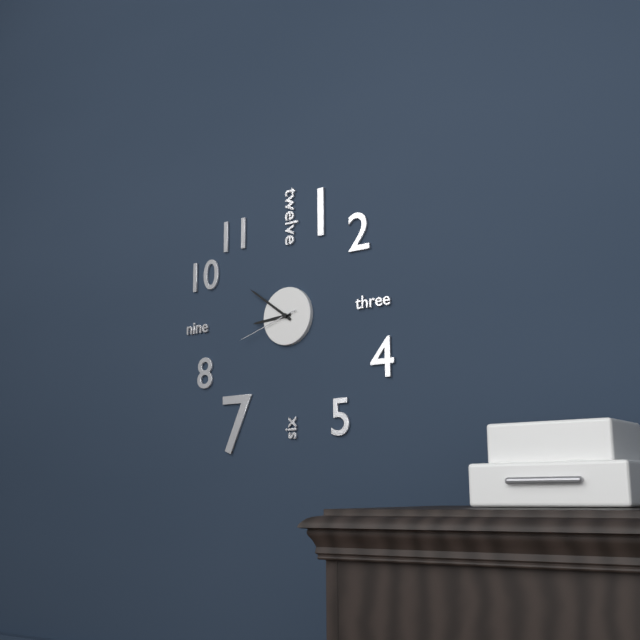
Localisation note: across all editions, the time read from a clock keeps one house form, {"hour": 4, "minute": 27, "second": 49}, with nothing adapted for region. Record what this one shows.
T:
{"hour": 8, "minute": 51, "second": 42}
